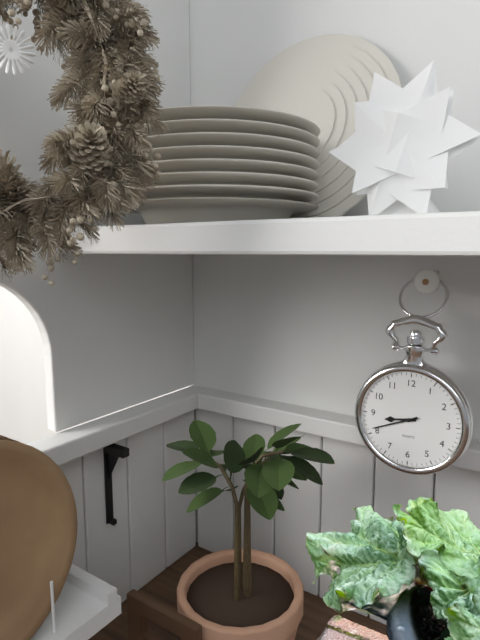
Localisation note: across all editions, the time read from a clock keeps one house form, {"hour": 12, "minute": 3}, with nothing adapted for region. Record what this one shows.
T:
{"hour": 8, "minute": 41}
